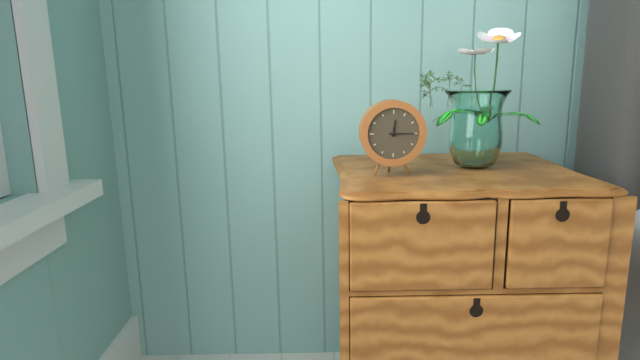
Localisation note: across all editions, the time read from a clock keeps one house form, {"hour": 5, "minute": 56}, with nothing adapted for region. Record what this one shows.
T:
{"hour": 12, "minute": 15}
